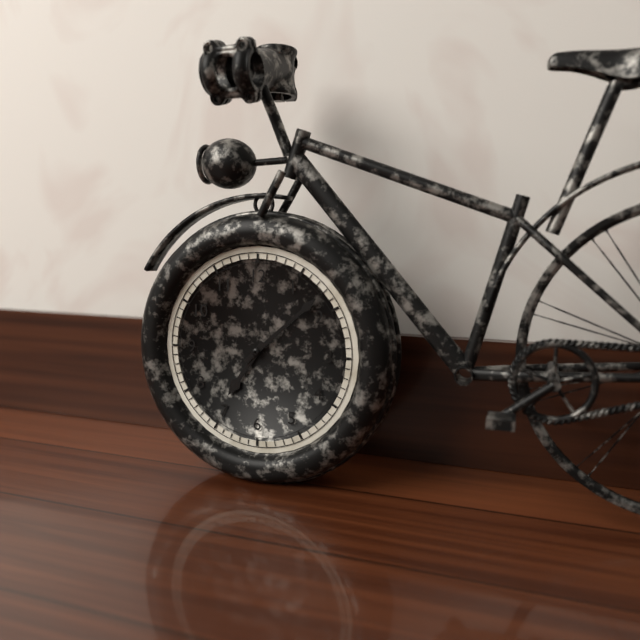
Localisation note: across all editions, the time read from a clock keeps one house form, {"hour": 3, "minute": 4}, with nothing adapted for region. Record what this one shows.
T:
{"hour": 7, "minute": 8}
